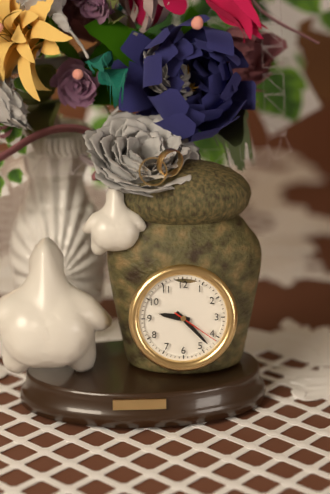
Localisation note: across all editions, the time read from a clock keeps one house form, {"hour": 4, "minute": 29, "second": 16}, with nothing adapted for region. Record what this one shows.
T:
{"hour": 9, "minute": 23, "second": 21}
